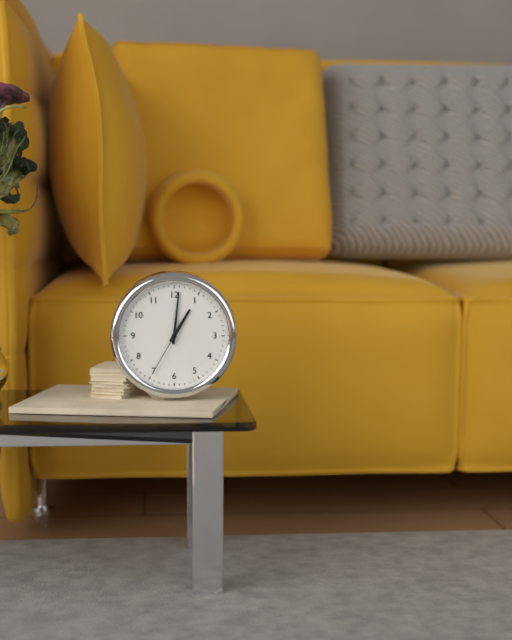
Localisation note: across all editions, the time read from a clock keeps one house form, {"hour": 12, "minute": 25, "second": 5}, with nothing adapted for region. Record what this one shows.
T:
{"hour": 1, "minute": 1, "second": 35}
